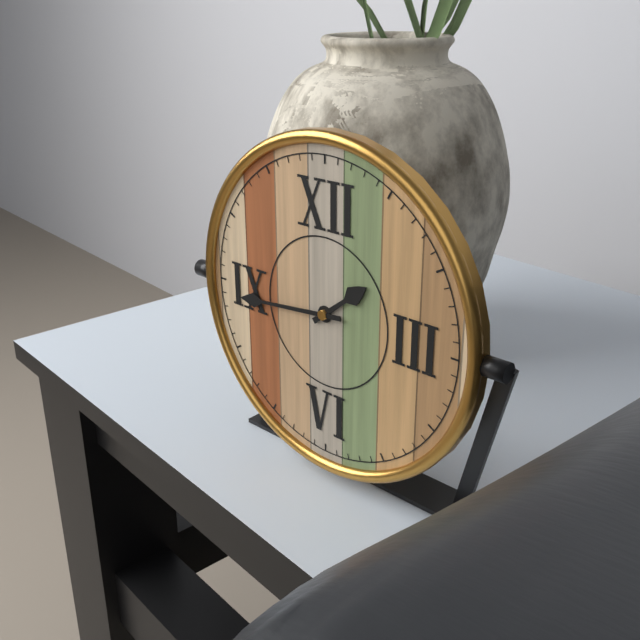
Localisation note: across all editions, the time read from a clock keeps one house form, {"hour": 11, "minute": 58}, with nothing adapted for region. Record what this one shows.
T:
{"hour": 1, "minute": 44}
